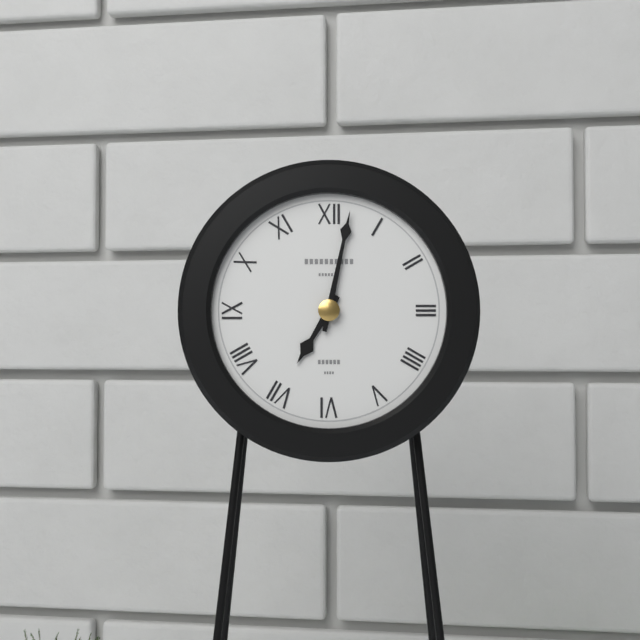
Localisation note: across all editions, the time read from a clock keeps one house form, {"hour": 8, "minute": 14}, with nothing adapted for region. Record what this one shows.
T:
{"hour": 7, "minute": 2}
